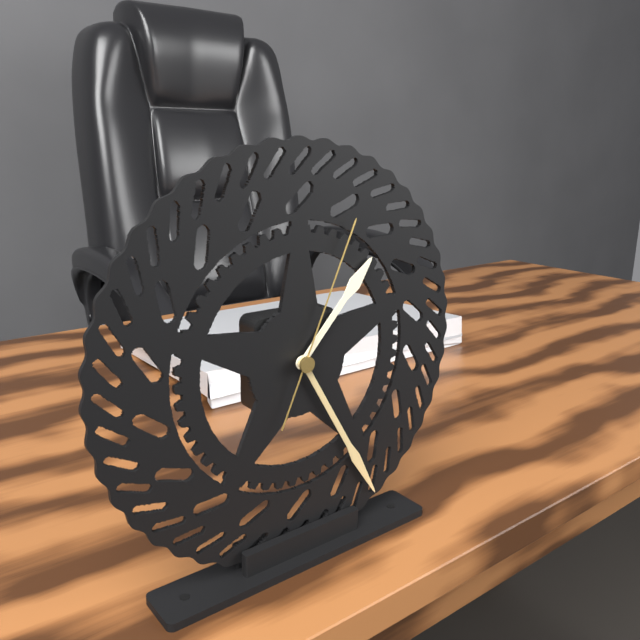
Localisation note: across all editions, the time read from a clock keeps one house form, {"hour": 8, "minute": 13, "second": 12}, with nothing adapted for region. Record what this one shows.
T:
{"hour": 1, "minute": 25, "second": 4}
